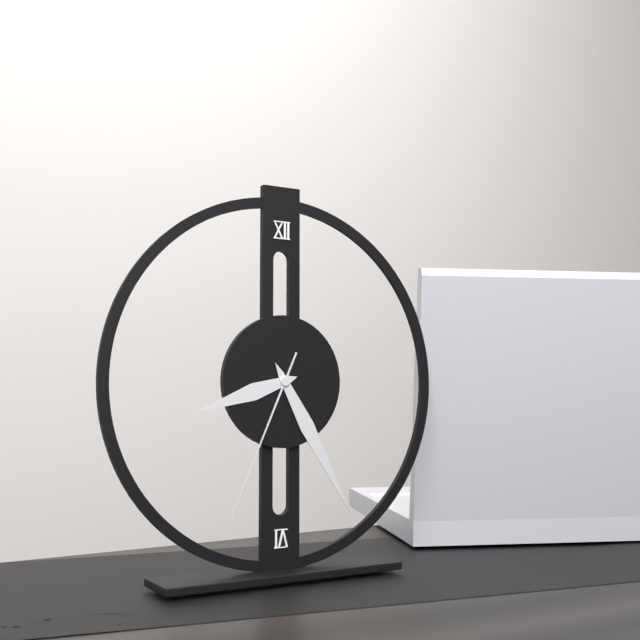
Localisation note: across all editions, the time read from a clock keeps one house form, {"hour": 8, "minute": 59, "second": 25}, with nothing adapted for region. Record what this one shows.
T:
{"hour": 8, "minute": 25, "second": 34}
